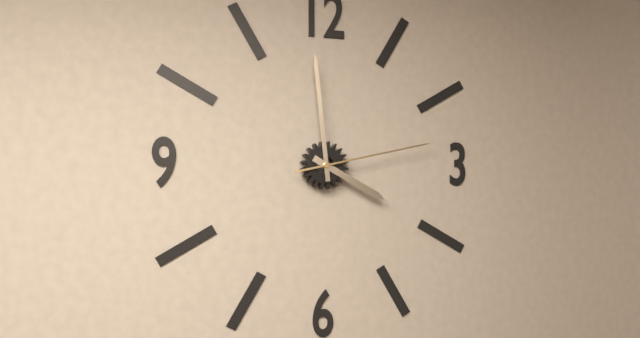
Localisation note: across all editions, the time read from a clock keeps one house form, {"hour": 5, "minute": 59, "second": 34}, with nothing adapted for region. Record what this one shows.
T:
{"hour": 3, "minute": 59, "second": 13}
